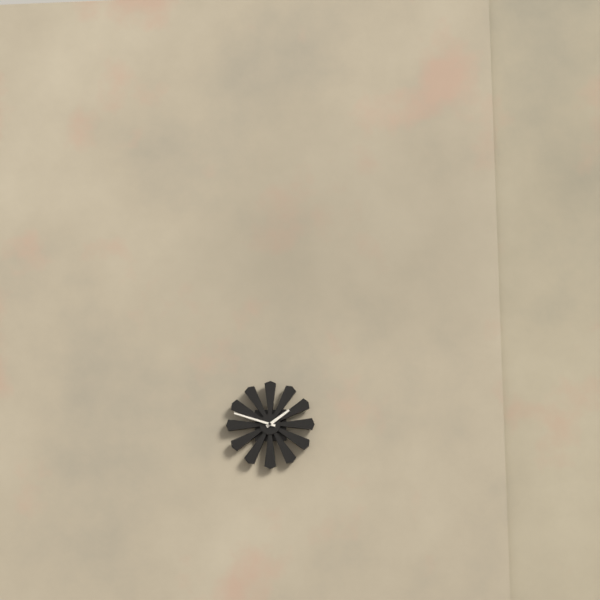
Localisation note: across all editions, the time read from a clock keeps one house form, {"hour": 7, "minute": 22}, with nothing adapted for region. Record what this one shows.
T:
{"hour": 1, "minute": 48}
